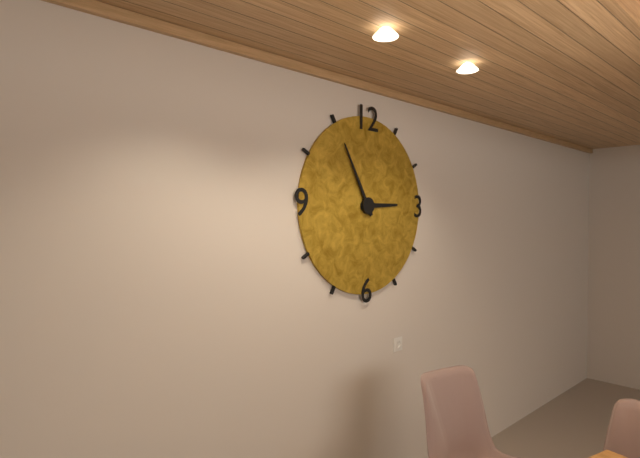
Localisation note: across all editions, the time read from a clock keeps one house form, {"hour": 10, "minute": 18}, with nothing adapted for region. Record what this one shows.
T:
{"hour": 2, "minute": 55}
